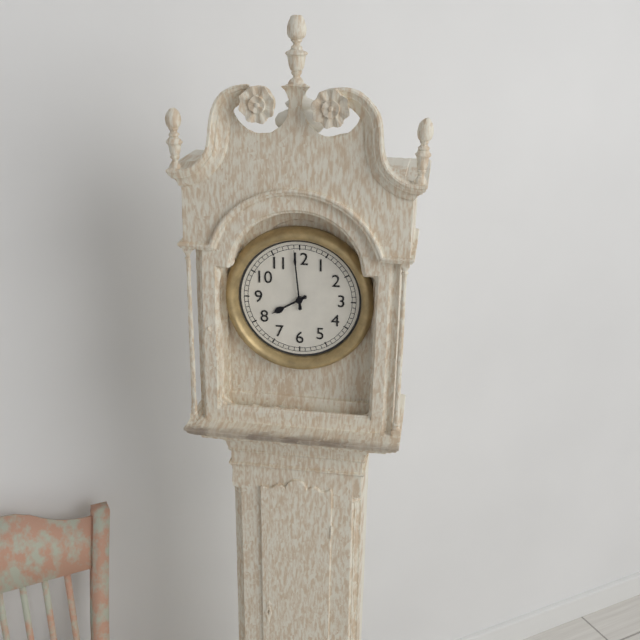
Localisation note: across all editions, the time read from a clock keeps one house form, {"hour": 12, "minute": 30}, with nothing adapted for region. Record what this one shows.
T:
{"hour": 7, "minute": 59}
